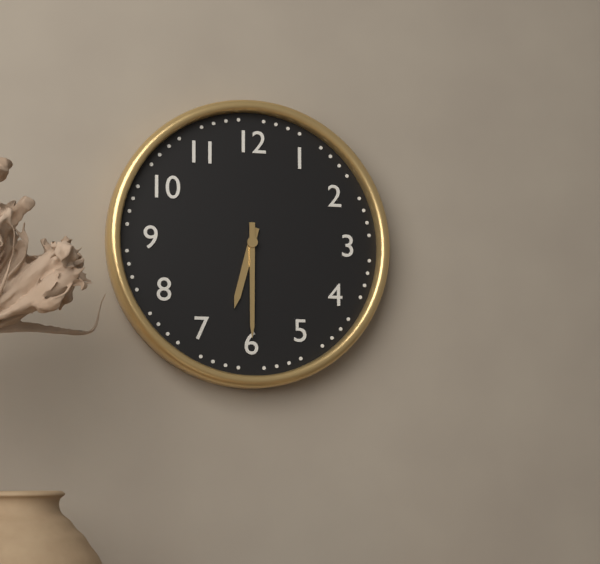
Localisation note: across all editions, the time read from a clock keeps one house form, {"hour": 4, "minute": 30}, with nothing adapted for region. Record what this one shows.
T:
{"hour": 6, "minute": 30}
